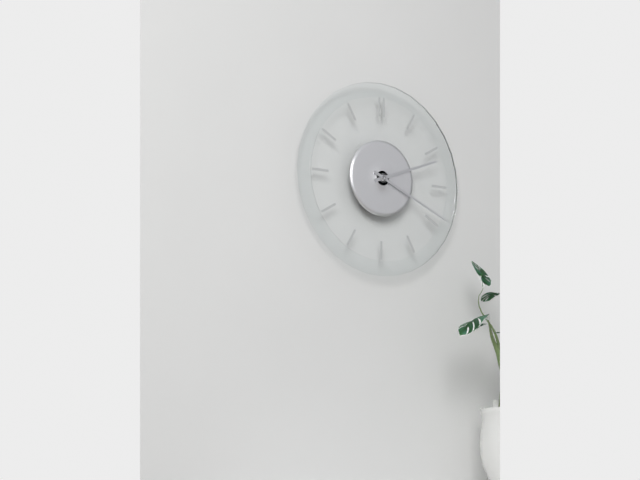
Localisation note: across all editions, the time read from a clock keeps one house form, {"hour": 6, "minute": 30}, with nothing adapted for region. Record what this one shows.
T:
{"hour": 2, "minute": 19}
